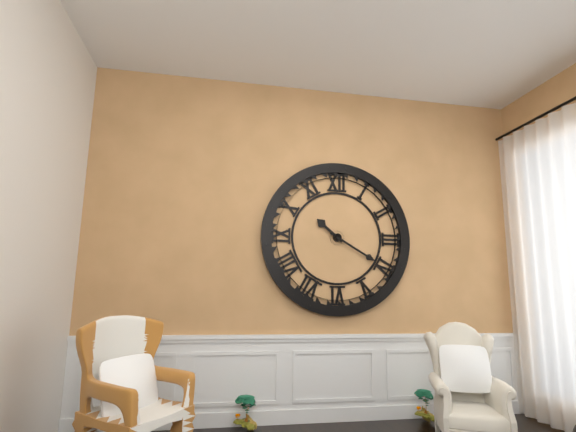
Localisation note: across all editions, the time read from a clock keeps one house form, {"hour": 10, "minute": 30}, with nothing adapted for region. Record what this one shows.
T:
{"hour": 10, "minute": 20}
